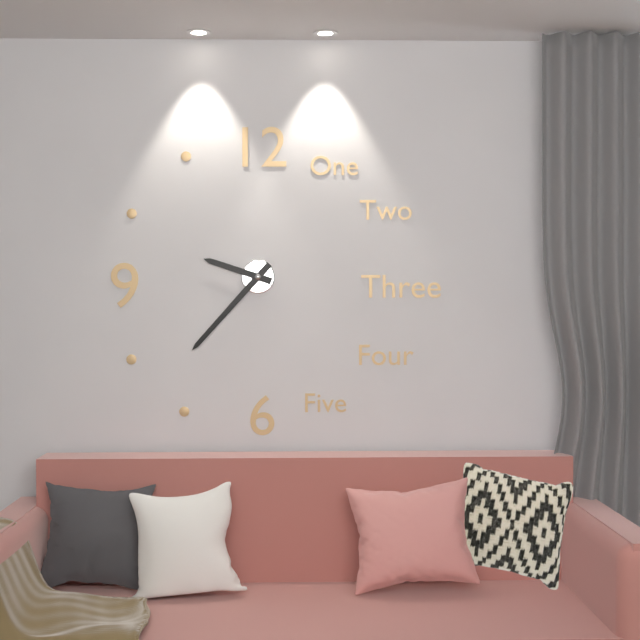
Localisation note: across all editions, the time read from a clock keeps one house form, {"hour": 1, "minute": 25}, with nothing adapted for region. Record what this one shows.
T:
{"hour": 9, "minute": 37}
